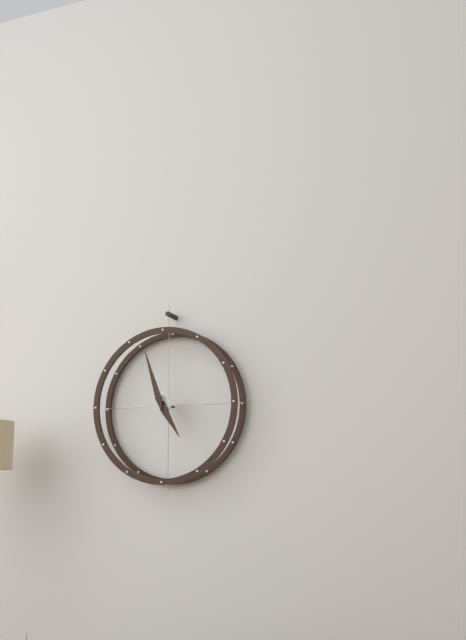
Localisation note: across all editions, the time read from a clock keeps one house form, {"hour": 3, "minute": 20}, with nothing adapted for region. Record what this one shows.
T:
{"hour": 4, "minute": 57}
